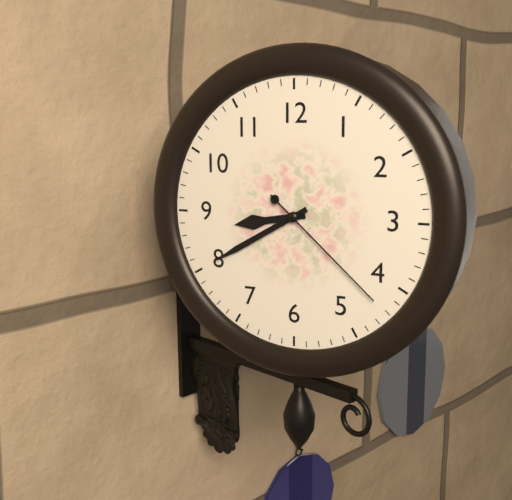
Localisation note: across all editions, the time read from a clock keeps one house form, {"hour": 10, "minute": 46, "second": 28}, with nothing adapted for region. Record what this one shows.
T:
{"hour": 8, "minute": 40, "second": 22}
